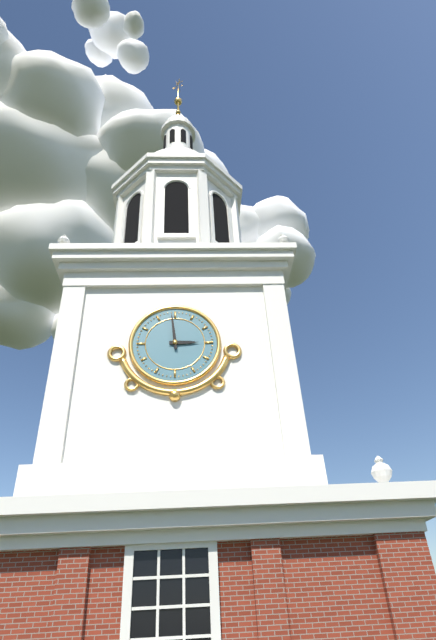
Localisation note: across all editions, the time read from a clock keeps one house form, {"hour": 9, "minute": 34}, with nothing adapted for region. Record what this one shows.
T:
{"hour": 2, "minute": 59}
